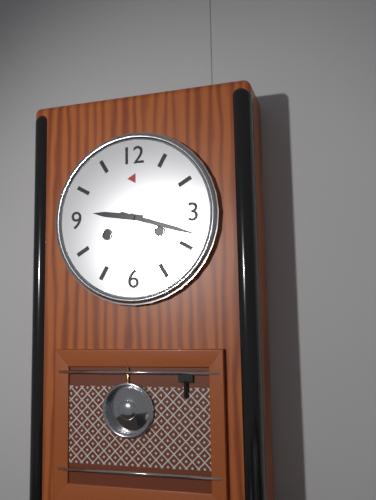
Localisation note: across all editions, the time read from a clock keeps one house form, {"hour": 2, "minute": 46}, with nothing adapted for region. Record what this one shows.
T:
{"hour": 9, "minute": 18}
